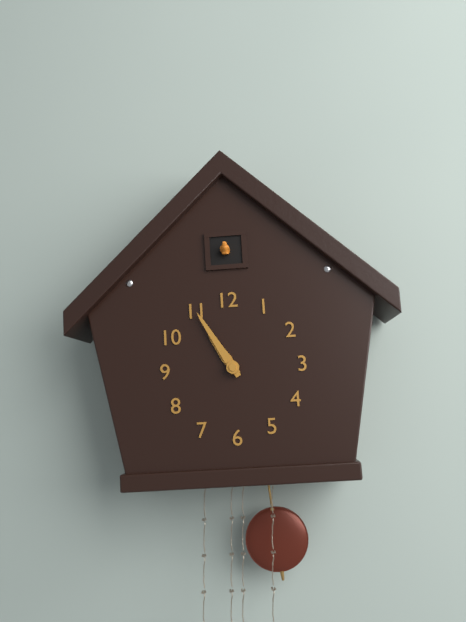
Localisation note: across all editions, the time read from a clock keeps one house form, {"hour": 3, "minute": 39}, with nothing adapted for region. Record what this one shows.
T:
{"hour": 10, "minute": 55}
